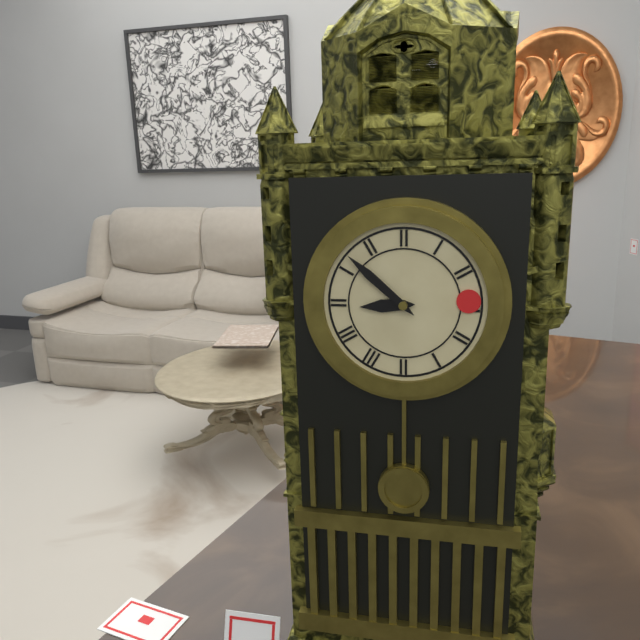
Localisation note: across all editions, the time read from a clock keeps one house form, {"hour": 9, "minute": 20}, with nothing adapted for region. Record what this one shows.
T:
{"hour": 8, "minute": 52}
